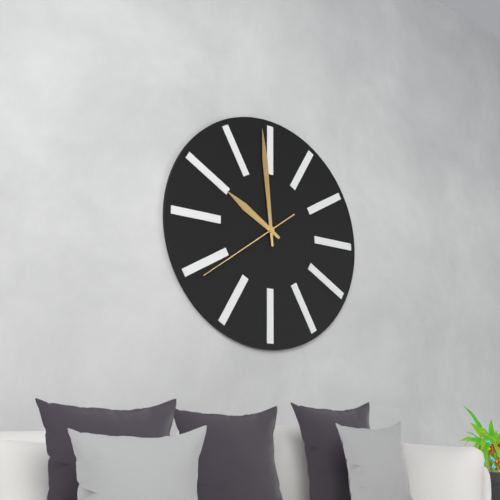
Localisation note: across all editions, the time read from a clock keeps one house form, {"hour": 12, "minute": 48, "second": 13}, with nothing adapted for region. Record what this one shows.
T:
{"hour": 9, "minute": 59, "second": 39}
